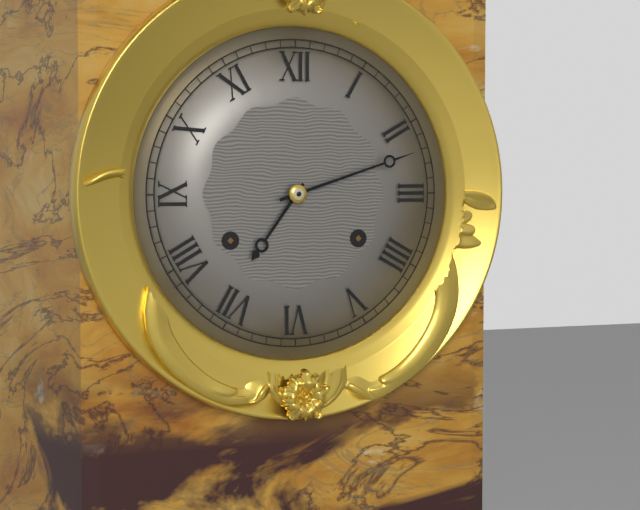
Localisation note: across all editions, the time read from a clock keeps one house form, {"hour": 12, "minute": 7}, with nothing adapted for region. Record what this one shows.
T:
{"hour": 7, "minute": 12}
